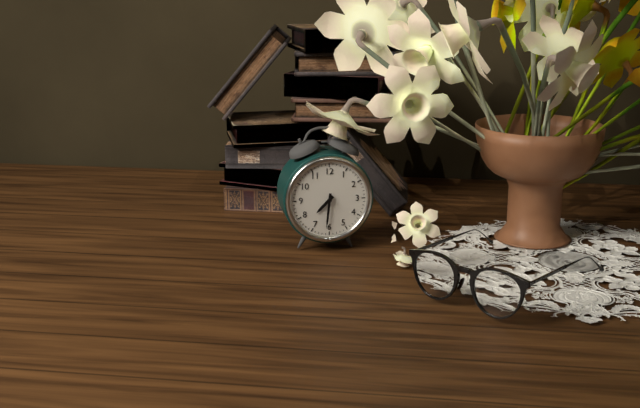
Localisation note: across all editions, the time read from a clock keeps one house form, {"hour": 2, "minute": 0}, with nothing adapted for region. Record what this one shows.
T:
{"hour": 7, "minute": 31}
